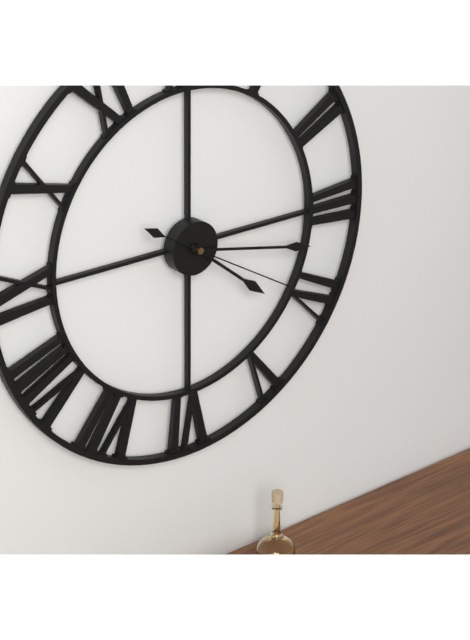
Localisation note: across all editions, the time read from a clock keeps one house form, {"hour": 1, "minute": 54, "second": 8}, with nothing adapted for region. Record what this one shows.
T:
{"hour": 4, "minute": 17, "second": 20}
